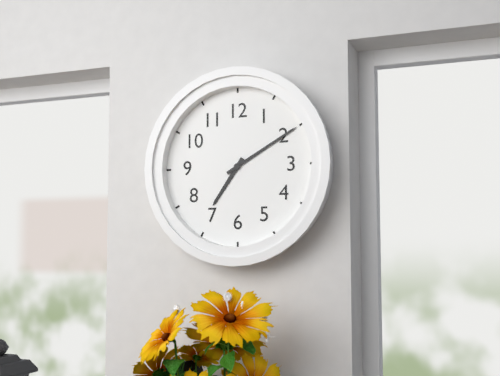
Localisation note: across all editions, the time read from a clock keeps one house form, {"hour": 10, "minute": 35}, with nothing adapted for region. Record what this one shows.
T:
{"hour": 7, "minute": 10}
